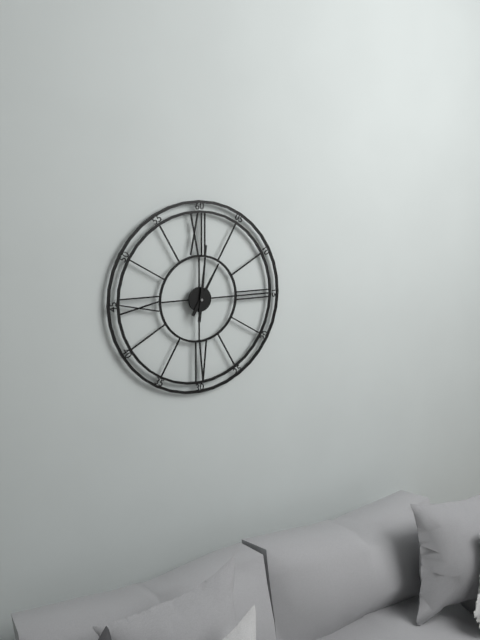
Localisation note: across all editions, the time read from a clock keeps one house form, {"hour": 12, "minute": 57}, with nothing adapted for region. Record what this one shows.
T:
{"hour": 1, "minute": 1}
